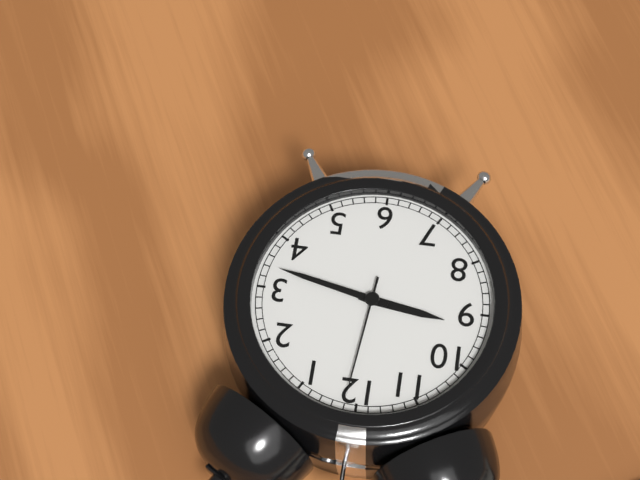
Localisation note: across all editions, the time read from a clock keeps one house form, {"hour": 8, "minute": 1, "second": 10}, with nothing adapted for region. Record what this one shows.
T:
{"hour": 9, "minute": 17, "second": 1}
